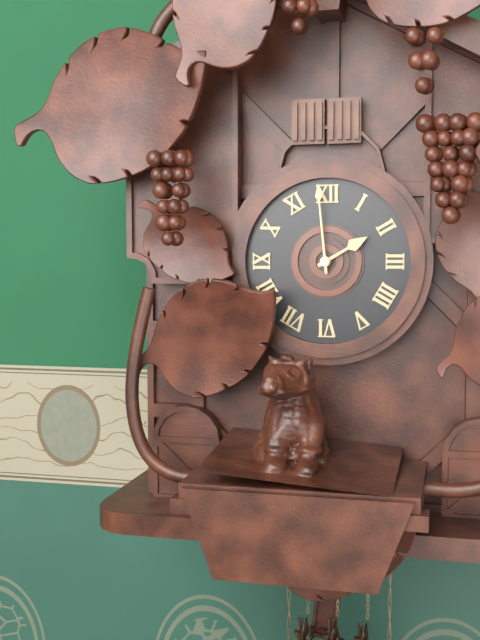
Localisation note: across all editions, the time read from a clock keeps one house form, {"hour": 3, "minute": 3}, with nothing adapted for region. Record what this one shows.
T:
{"hour": 1, "minute": 59}
